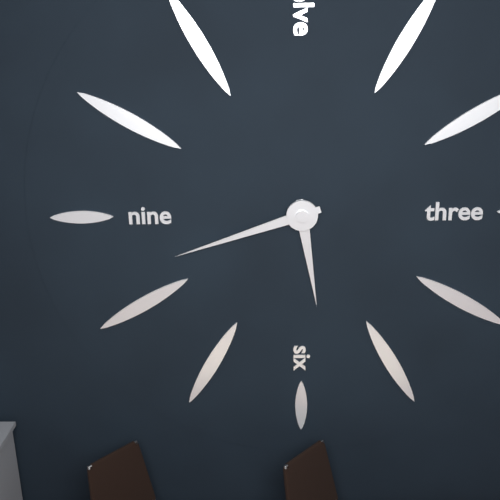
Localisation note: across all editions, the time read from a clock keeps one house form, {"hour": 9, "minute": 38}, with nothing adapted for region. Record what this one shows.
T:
{"hour": 5, "minute": 42}
